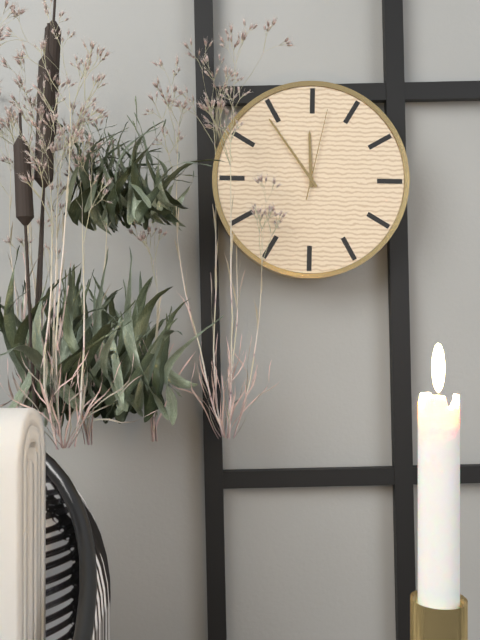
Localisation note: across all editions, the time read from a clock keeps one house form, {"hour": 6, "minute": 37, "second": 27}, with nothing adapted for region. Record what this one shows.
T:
{"hour": 11, "minute": 54, "second": 2}
